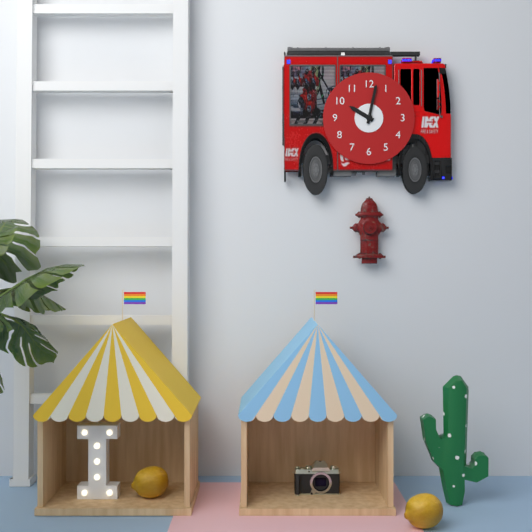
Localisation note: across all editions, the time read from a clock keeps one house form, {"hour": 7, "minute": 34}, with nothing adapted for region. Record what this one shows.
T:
{"hour": 10, "minute": 2}
